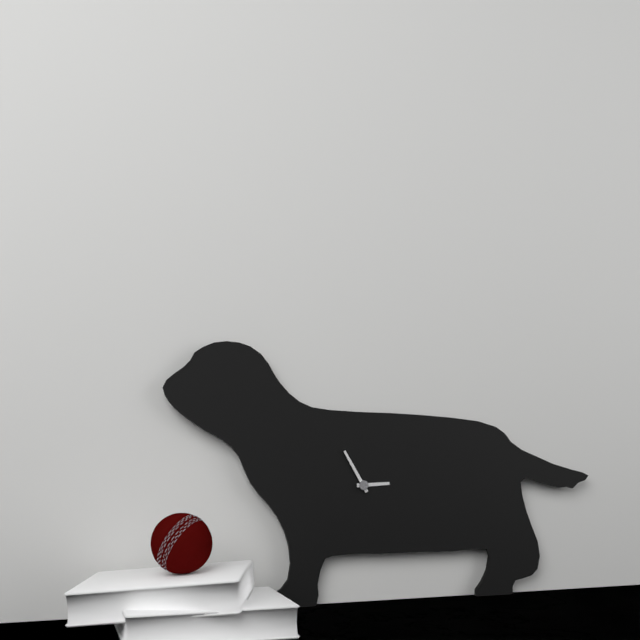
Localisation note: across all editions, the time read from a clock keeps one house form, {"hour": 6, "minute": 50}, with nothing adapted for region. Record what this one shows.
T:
{"hour": 2, "minute": 55}
